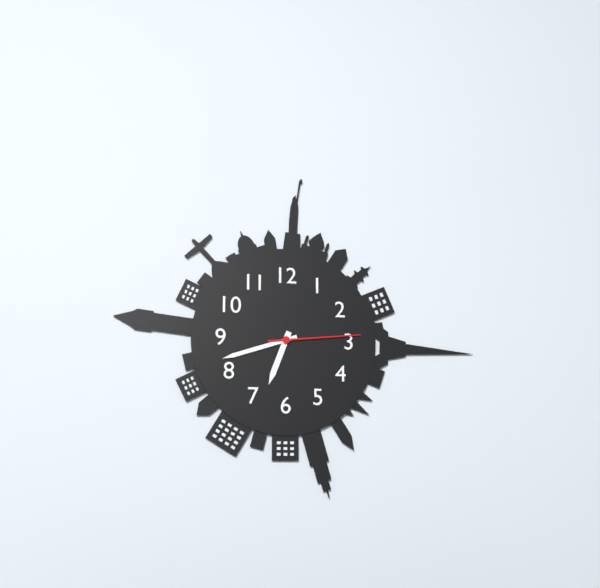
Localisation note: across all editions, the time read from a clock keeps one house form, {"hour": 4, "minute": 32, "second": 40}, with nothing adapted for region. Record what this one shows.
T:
{"hour": 6, "minute": 42, "second": 14}
